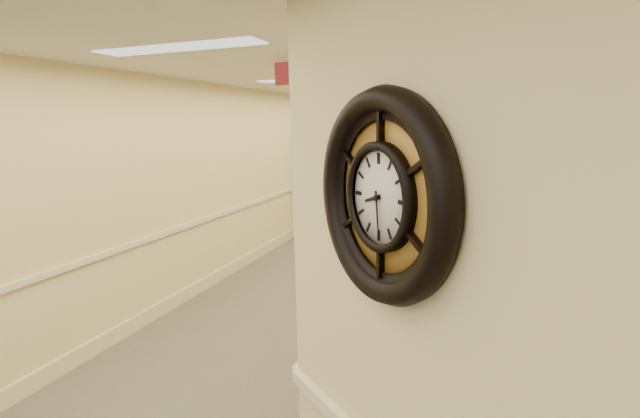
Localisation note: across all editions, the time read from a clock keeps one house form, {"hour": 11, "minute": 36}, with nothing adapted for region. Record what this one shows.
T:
{"hour": 8, "minute": 29}
